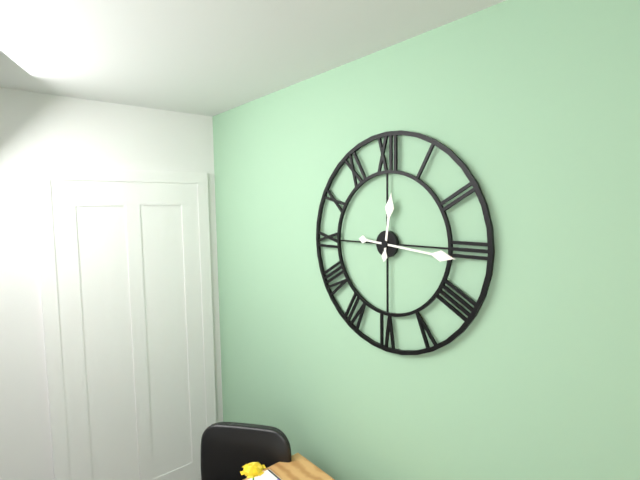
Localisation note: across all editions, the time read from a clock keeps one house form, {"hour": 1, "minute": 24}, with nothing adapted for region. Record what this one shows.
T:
{"hour": 12, "minute": 16}
